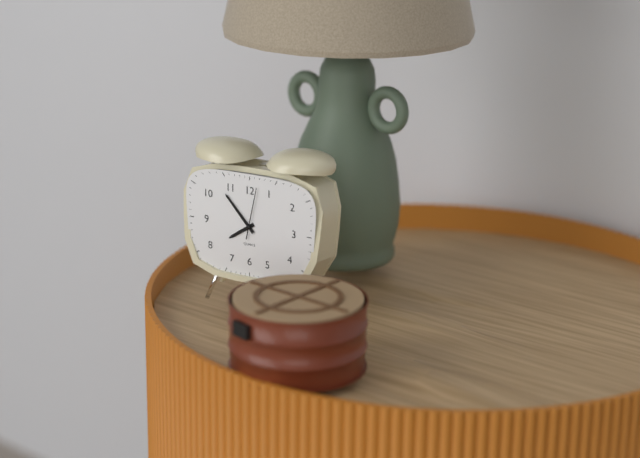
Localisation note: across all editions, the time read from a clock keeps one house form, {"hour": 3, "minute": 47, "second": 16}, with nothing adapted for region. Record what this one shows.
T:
{"hour": 7, "minute": 53, "second": 2}
